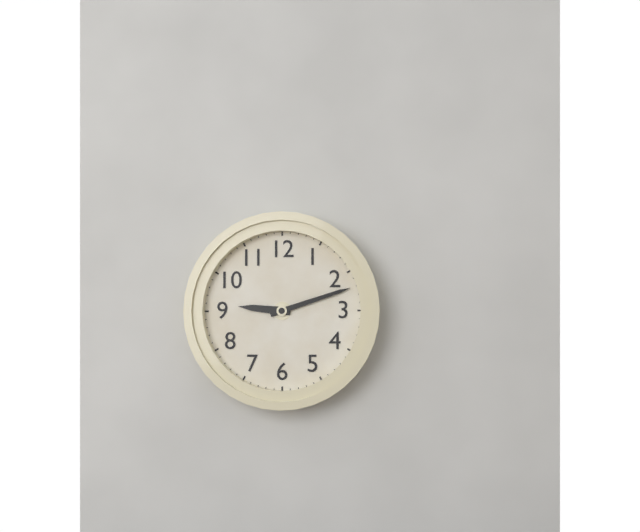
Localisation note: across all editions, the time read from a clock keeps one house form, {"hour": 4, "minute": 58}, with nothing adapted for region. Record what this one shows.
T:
{"hour": 9, "minute": 12}
